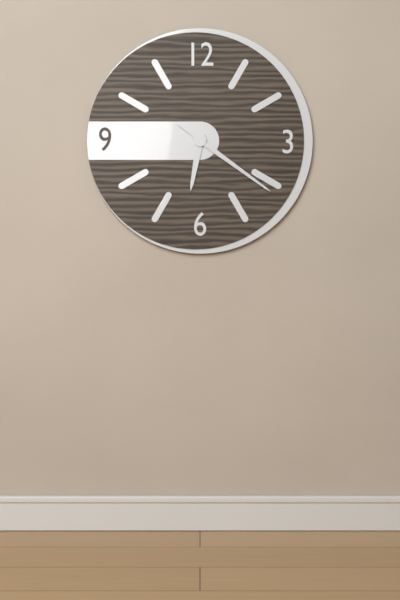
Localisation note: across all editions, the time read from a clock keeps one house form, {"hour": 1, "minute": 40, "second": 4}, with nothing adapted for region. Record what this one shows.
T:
{"hour": 6, "minute": 21, "second": 21}
